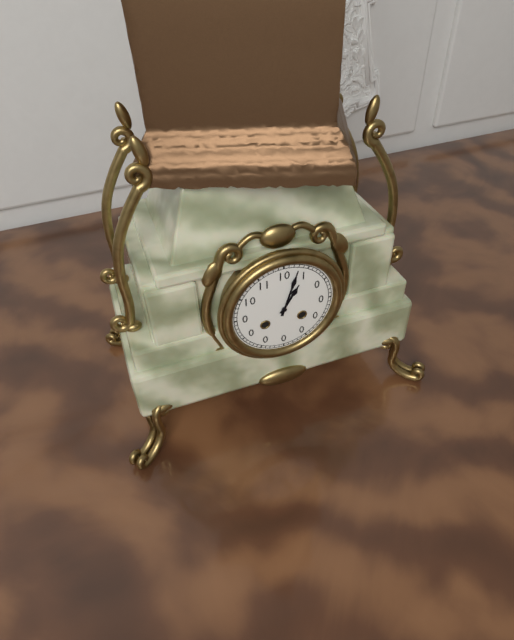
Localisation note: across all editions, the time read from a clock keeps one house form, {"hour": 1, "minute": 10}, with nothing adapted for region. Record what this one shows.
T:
{"hour": 1, "minute": 3}
